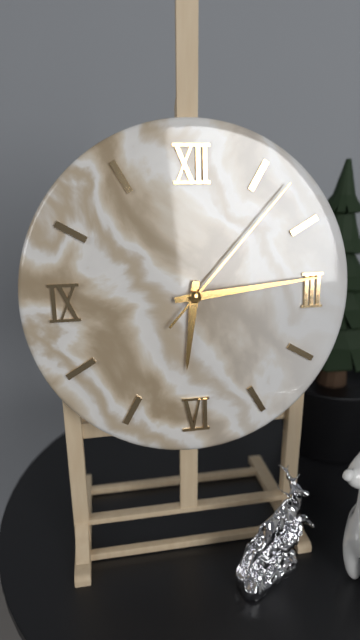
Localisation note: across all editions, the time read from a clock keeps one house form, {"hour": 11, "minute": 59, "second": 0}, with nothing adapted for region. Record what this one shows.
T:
{"hour": 6, "minute": 14, "second": 7}
